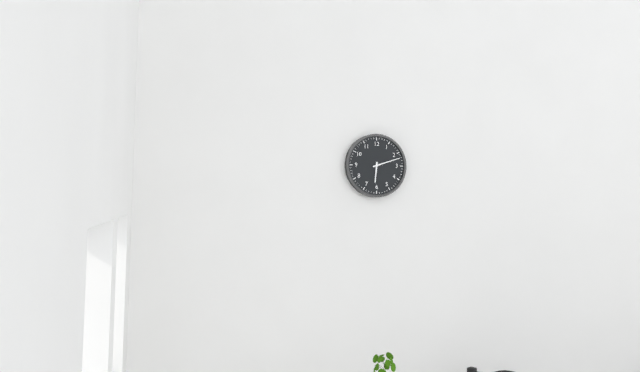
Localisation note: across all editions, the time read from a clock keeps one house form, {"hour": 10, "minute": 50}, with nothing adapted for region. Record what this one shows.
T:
{"hour": 6, "minute": 12}
